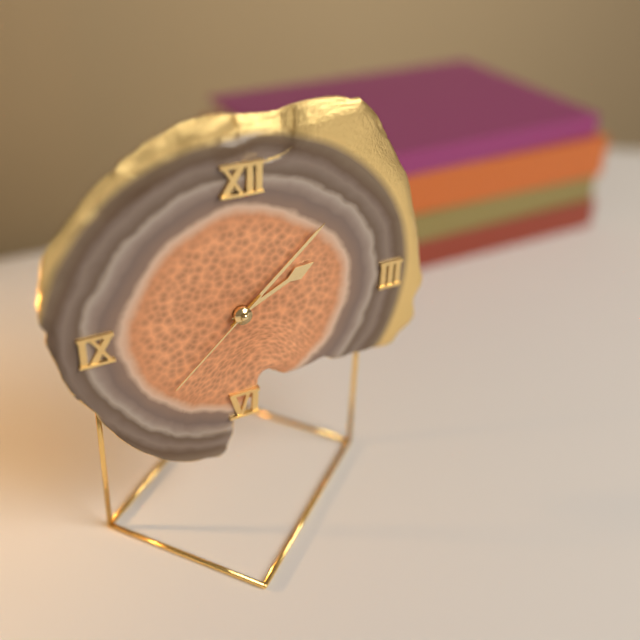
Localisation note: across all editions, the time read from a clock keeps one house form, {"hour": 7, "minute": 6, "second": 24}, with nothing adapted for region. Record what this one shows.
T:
{"hour": 2, "minute": 8, "second": 38}
